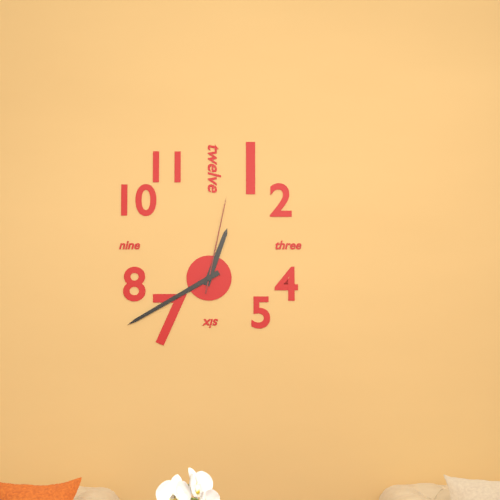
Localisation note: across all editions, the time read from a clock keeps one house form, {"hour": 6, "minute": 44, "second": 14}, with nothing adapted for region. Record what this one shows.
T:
{"hour": 12, "minute": 40, "second": 2}
